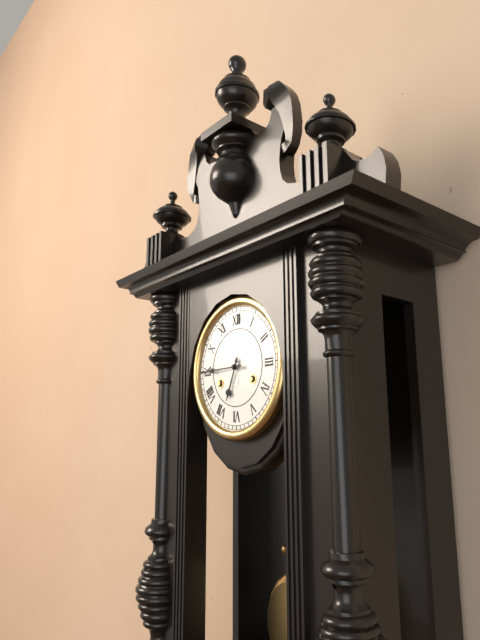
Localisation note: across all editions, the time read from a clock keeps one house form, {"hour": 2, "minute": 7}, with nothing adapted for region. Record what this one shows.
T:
{"hour": 6, "minute": 45}
